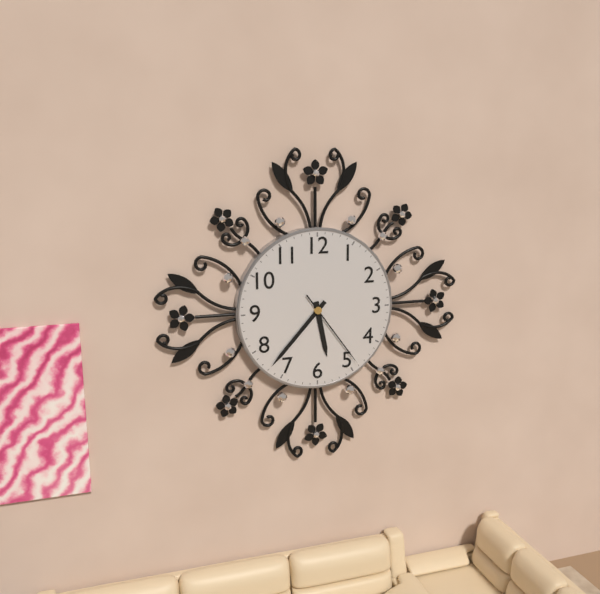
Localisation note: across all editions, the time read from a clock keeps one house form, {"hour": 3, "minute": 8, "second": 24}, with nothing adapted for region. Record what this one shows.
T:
{"hour": 5, "minute": 37, "second": 24}
